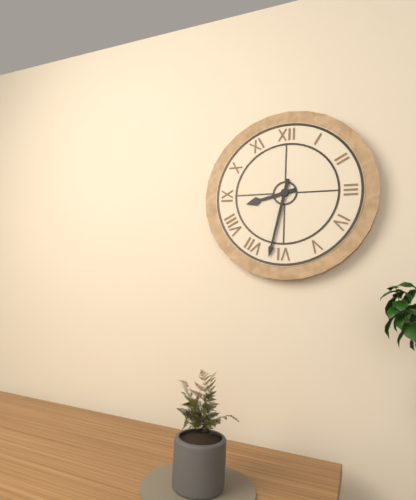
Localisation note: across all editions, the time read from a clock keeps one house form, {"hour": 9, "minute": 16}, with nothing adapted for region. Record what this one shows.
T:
{"hour": 8, "minute": 32}
